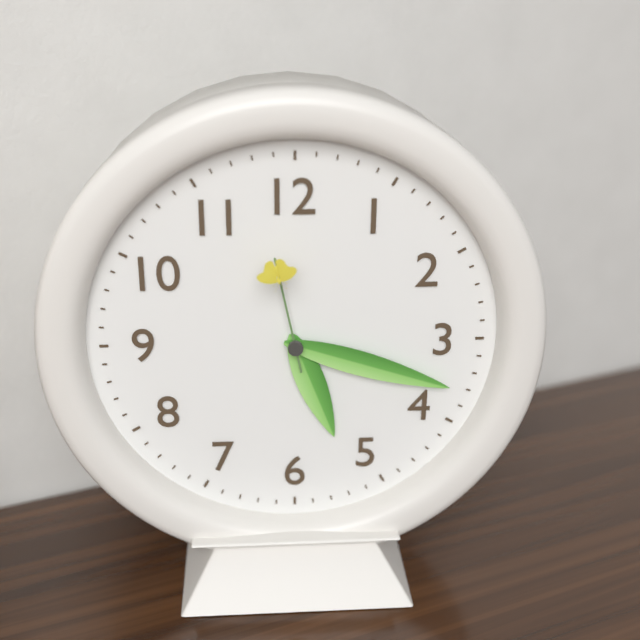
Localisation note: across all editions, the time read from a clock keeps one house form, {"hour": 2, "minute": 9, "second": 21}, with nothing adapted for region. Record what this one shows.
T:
{"hour": 5, "minute": 18, "second": 58}
